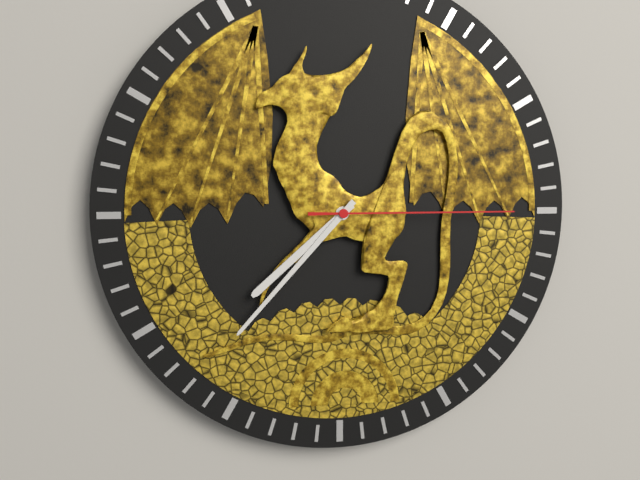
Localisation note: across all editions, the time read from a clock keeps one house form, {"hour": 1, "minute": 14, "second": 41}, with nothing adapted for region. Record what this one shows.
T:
{"hour": 7, "minute": 37, "second": 15}
